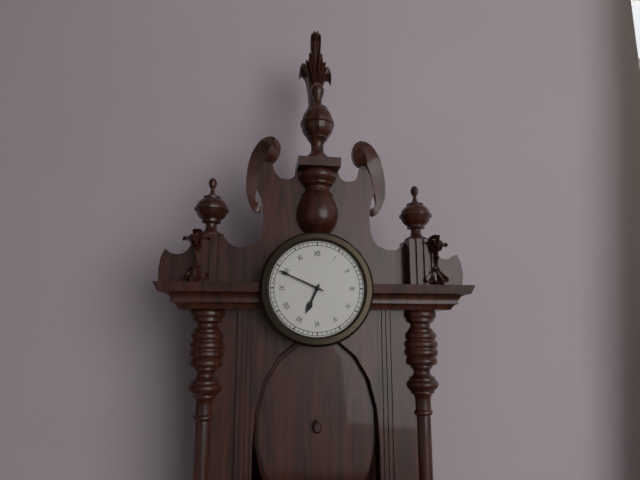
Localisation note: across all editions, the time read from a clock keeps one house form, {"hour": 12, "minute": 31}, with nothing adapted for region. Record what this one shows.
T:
{"hour": 6, "minute": 49}
